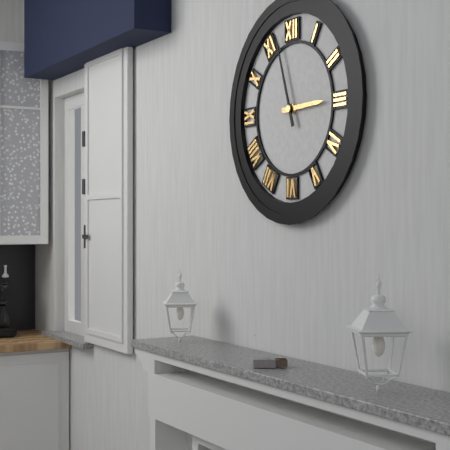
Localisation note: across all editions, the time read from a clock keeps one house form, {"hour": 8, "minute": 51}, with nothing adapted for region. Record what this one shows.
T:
{"hour": 2, "minute": 57}
